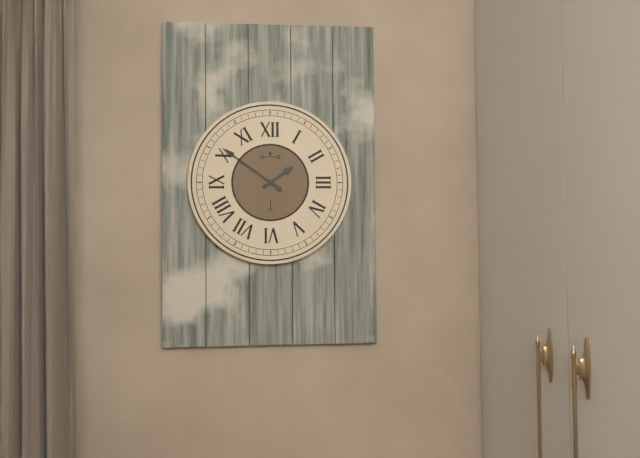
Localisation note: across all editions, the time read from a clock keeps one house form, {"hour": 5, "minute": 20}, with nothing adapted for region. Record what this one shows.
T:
{"hour": 1, "minute": 51}
